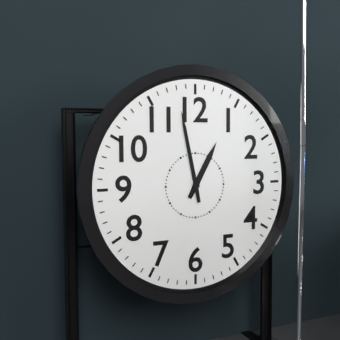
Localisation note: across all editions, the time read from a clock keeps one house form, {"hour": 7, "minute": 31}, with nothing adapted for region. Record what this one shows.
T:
{"hour": 12, "minute": 58}
